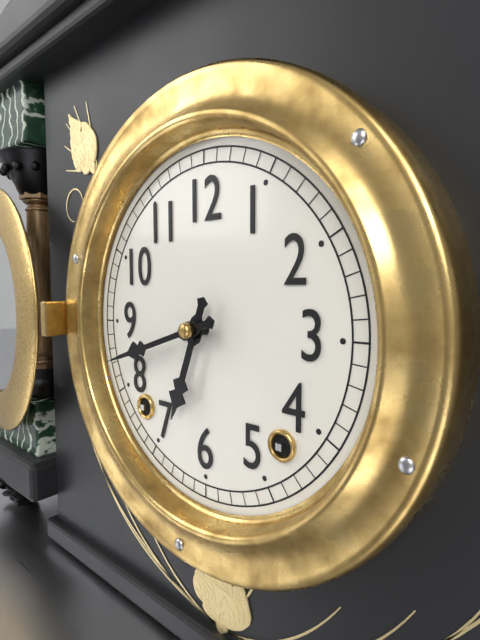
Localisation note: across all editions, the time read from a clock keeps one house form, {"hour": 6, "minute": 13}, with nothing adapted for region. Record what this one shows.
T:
{"hour": 6, "minute": 42}
